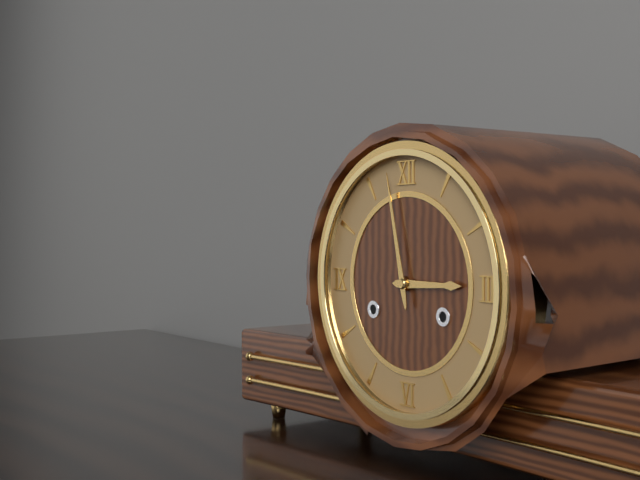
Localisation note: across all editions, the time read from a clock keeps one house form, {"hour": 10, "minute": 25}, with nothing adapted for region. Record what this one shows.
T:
{"hour": 2, "minute": 58}
